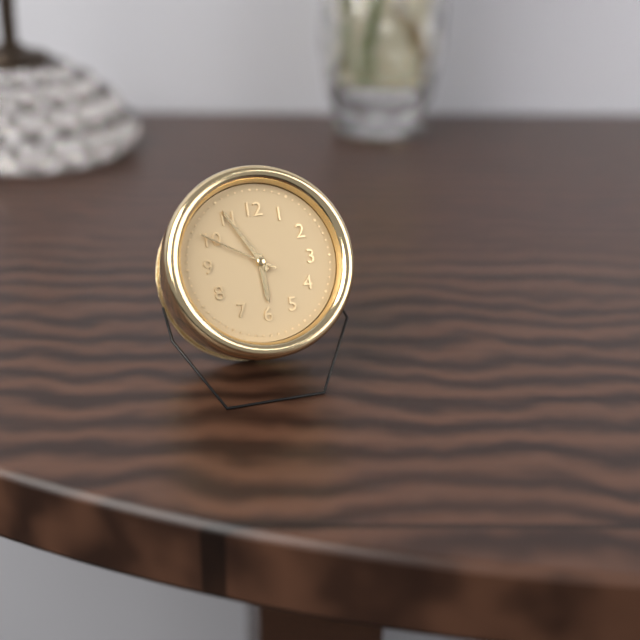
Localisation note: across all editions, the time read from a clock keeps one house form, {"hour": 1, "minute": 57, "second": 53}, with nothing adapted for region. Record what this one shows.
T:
{"hour": 5, "minute": 55, "second": 50}
